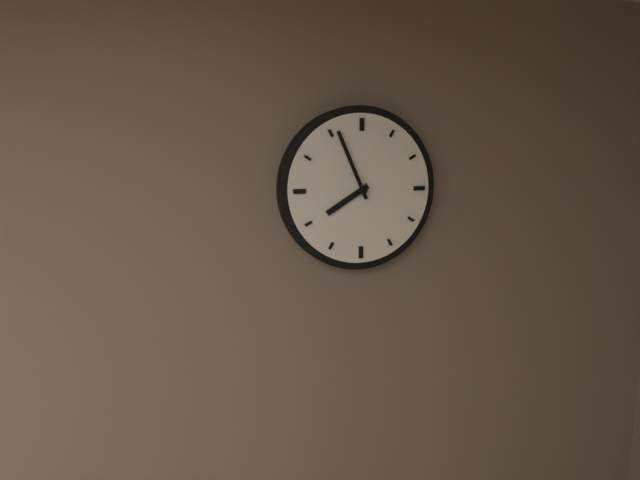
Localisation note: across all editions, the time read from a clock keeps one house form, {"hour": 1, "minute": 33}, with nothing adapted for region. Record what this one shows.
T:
{"hour": 7, "minute": 56}
